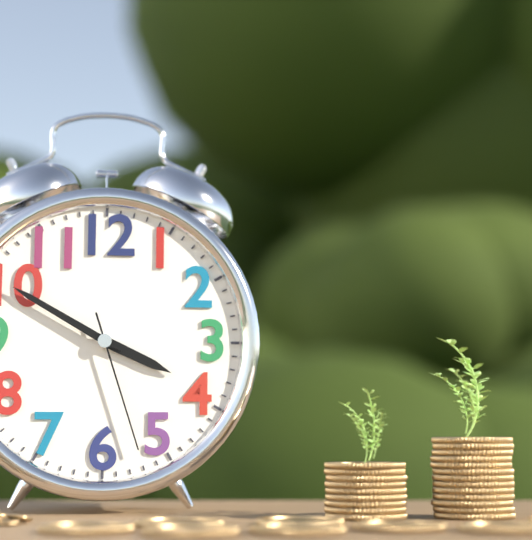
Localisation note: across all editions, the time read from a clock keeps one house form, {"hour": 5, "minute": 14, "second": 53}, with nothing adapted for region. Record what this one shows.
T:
{"hour": 3, "minute": 50, "second": 27}
